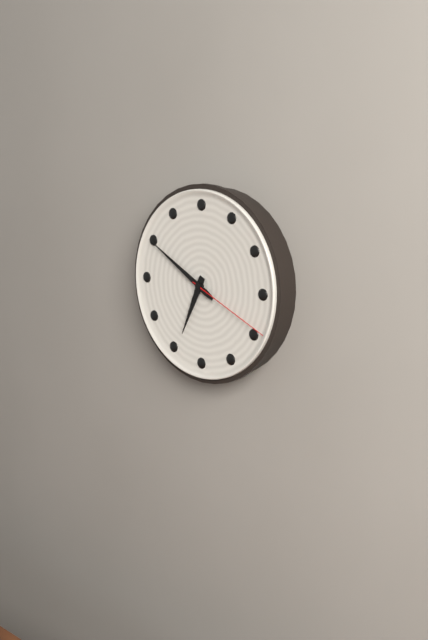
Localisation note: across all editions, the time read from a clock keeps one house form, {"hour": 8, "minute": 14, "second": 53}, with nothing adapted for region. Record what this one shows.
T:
{"hour": 6, "minute": 50, "second": 19}
